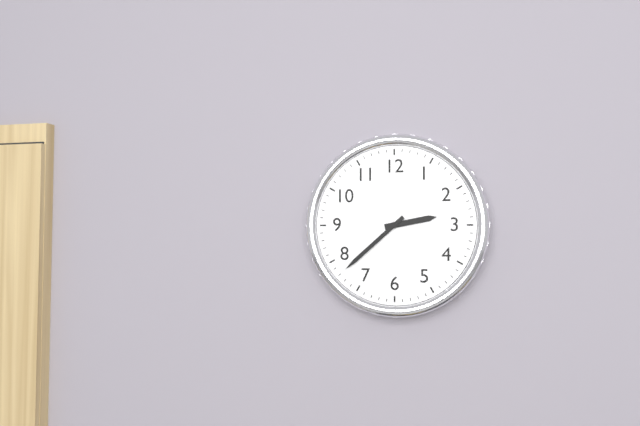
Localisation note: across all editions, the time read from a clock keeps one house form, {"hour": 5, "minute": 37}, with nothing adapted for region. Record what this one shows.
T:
{"hour": 2, "minute": 38}
